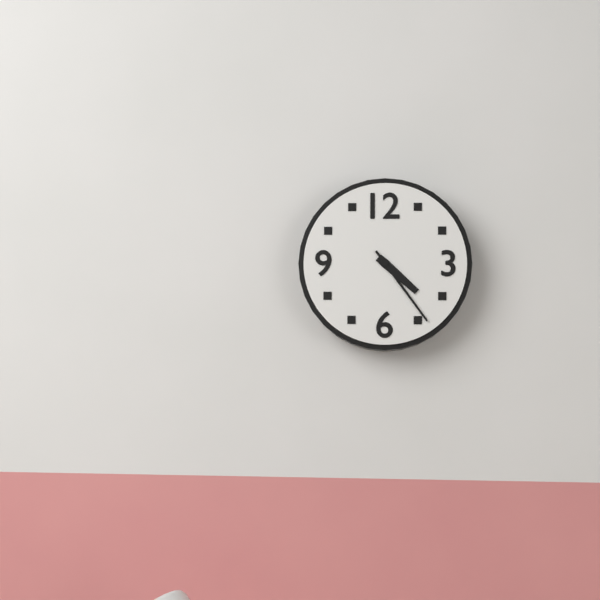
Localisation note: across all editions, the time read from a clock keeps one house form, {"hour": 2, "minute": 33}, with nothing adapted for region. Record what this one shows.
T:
{"hour": 4, "minute": 24}
